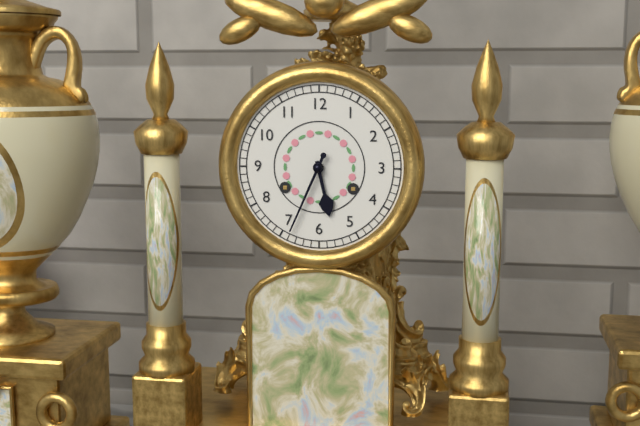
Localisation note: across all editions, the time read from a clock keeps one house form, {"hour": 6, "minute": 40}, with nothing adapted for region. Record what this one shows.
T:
{"hour": 5, "minute": 34}
